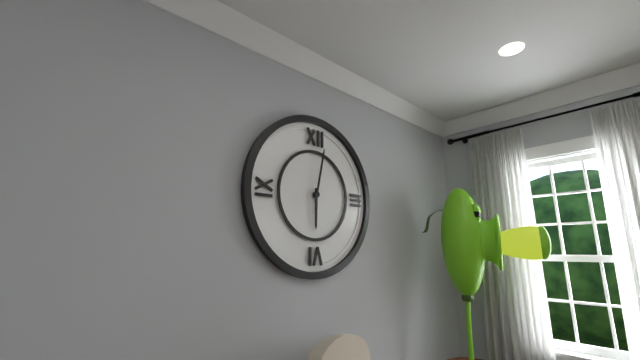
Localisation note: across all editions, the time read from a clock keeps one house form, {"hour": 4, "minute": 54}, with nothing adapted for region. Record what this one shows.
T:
{"hour": 6, "minute": 2}
